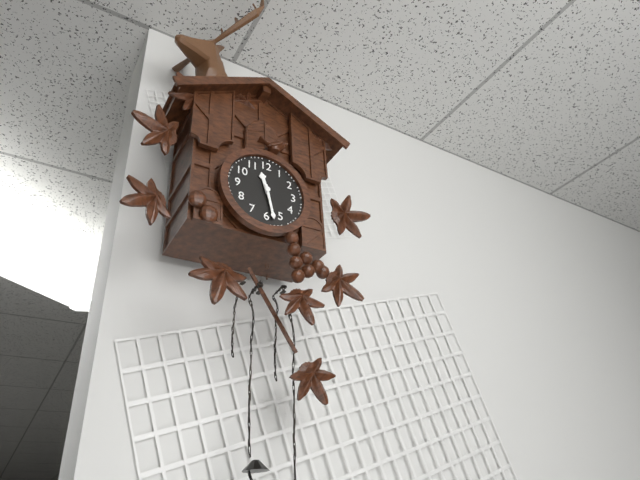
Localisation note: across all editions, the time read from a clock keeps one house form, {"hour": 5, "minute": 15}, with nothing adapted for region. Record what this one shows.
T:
{"hour": 11, "minute": 28}
